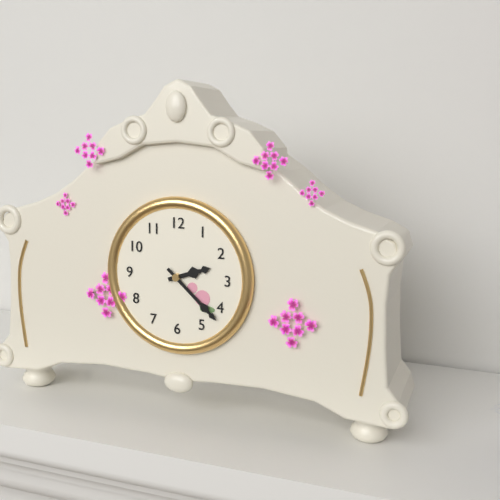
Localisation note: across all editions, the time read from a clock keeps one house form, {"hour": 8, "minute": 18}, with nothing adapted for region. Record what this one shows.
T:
{"hour": 2, "minute": 22}
